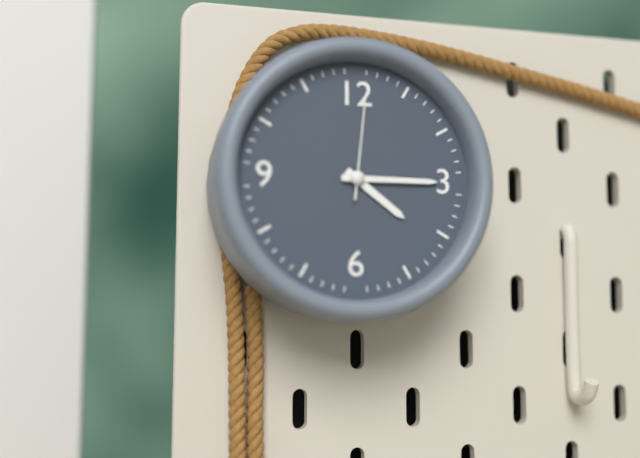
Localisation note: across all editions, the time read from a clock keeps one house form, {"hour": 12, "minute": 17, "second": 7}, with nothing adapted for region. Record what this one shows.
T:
{"hour": 4, "minute": 15, "second": 1}
